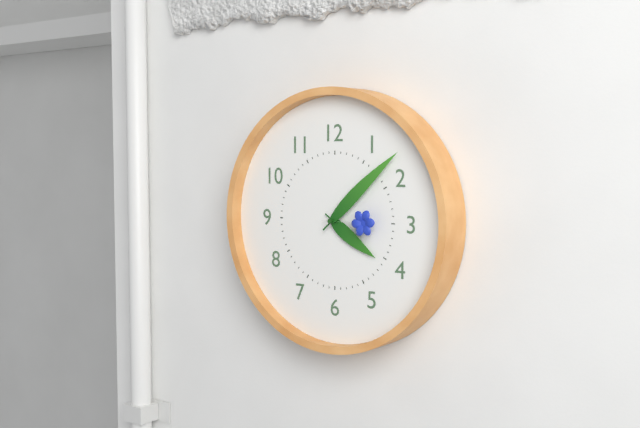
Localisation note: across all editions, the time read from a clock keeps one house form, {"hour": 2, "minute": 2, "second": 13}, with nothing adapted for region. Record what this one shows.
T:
{"hour": 4, "minute": 8, "second": 15}
